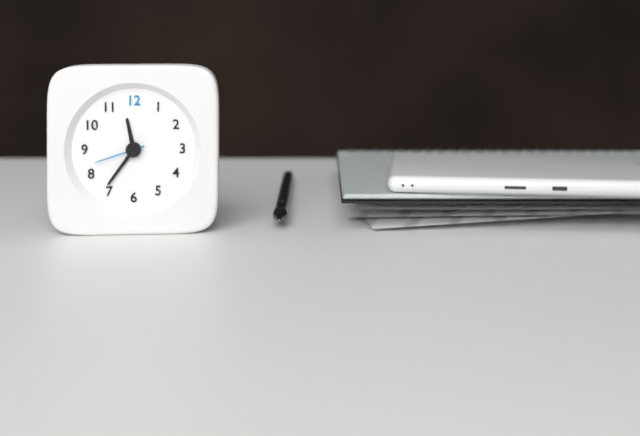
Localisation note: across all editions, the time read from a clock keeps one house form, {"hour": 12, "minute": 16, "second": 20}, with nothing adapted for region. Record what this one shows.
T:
{"hour": 11, "minute": 36, "second": 42}
